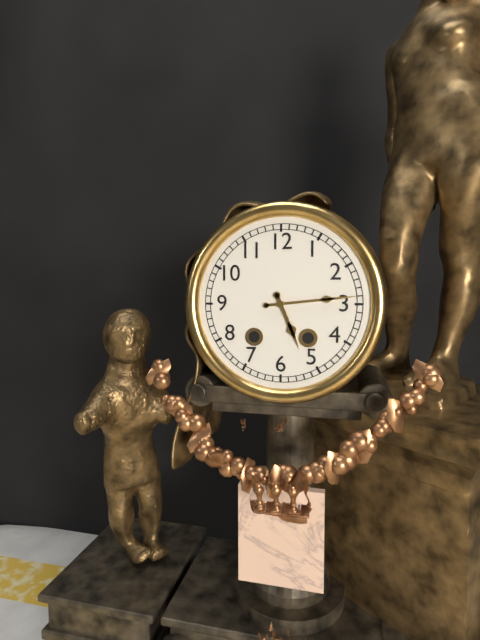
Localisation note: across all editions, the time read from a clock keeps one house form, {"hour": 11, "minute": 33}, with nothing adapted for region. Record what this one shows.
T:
{"hour": 5, "minute": 14}
